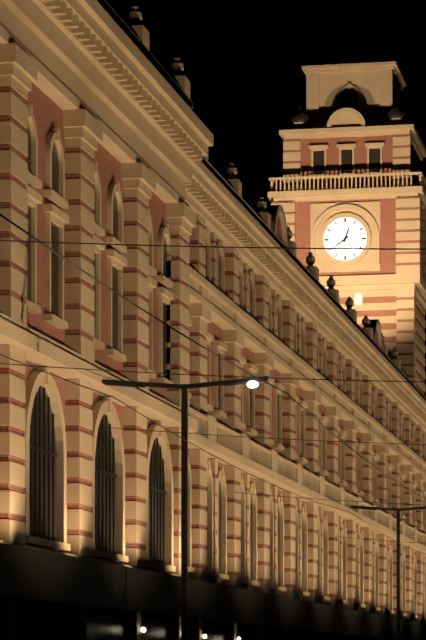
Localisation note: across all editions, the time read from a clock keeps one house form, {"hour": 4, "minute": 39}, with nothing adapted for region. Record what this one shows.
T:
{"hour": 12, "minute": 39}
